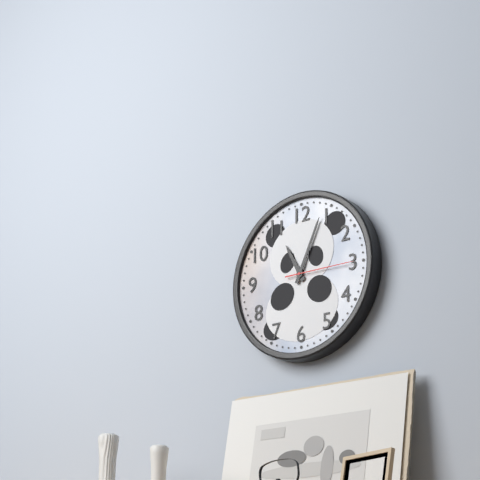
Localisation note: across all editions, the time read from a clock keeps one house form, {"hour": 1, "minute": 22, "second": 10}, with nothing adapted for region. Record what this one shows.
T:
{"hour": 11, "minute": 4, "second": 15}
